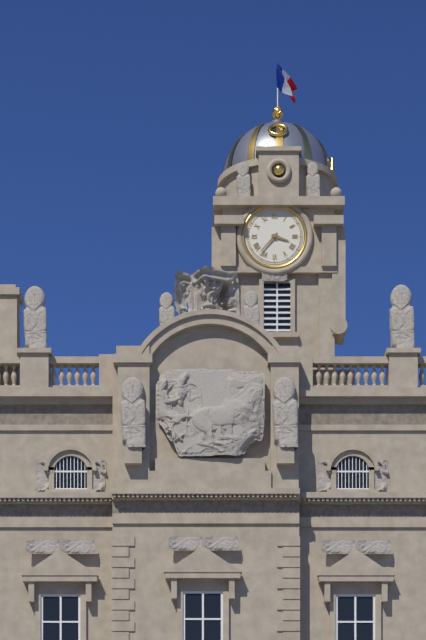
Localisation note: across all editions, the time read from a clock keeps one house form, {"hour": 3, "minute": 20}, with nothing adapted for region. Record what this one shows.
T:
{"hour": 3, "minute": 37}
